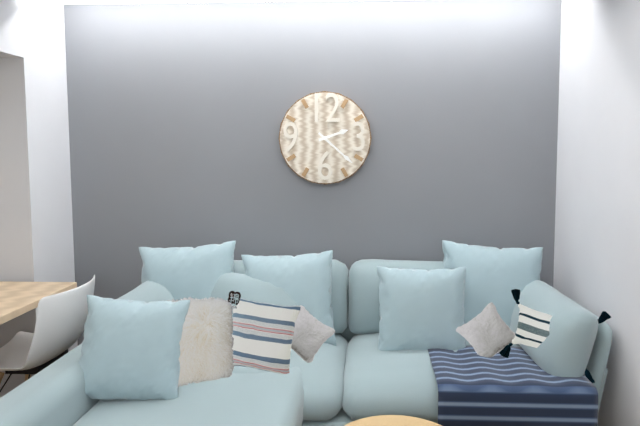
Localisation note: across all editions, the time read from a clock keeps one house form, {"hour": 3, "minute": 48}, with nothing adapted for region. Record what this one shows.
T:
{"hour": 2, "minute": 22}
